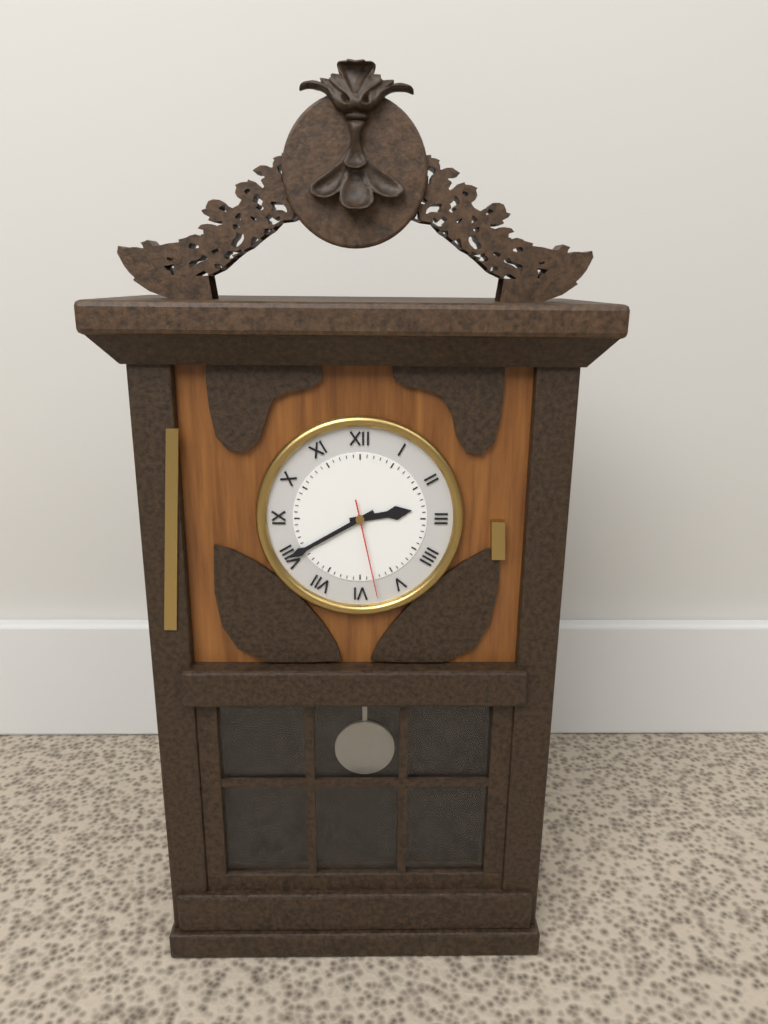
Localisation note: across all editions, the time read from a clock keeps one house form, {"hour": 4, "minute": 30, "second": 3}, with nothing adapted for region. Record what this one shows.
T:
{"hour": 2, "minute": 40, "second": 28}
